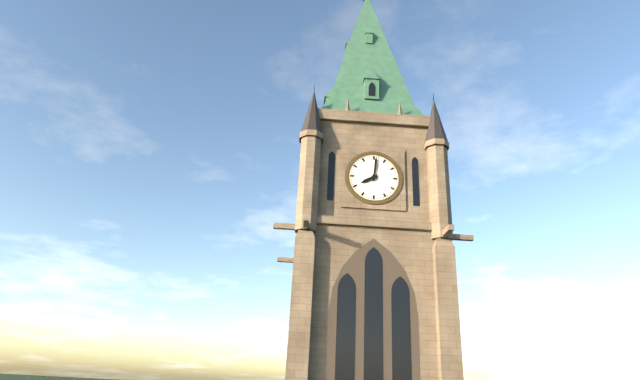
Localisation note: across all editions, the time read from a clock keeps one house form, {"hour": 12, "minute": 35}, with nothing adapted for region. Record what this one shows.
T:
{"hour": 8, "minute": 1}
